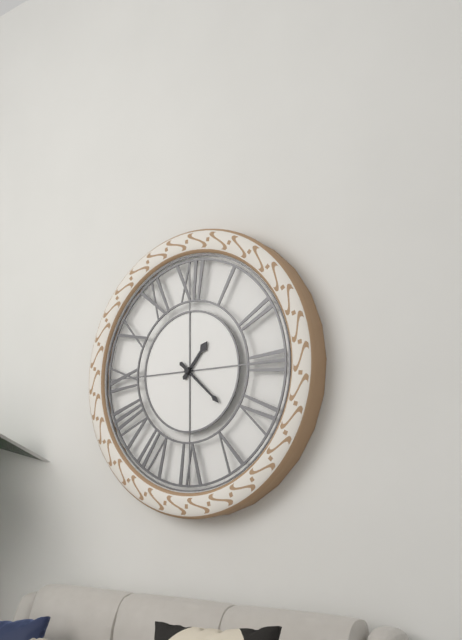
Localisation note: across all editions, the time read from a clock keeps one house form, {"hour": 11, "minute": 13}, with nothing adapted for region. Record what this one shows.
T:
{"hour": 1, "minute": 22}
